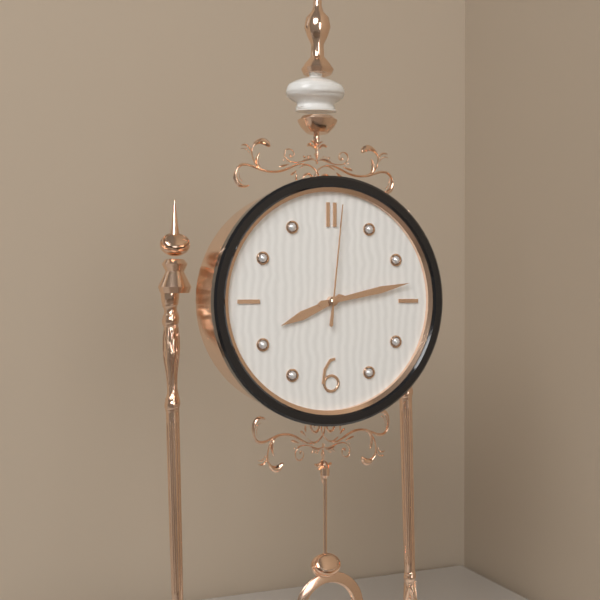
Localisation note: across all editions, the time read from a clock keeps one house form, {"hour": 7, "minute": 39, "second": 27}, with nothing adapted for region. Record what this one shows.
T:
{"hour": 8, "minute": 13, "second": 1}
